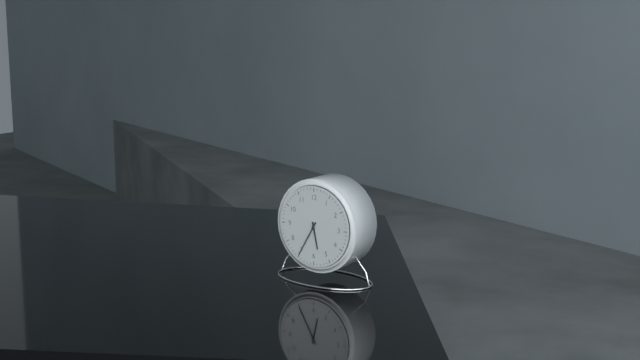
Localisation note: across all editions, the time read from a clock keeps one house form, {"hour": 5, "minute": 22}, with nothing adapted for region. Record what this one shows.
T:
{"hour": 5, "minute": 35}
